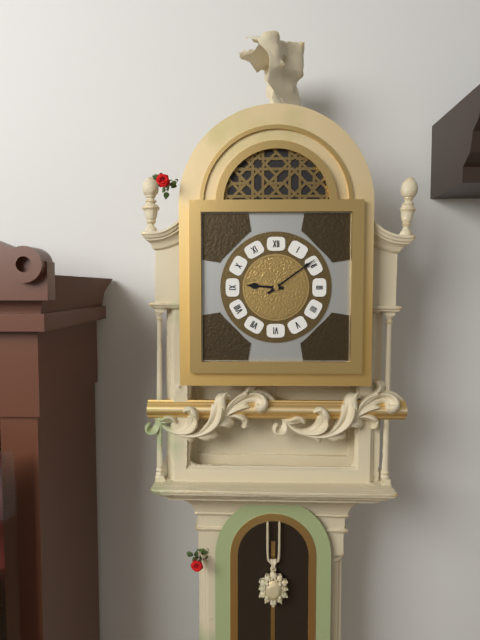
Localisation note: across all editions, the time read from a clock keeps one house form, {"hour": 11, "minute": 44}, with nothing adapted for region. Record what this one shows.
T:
{"hour": 9, "minute": 9}
